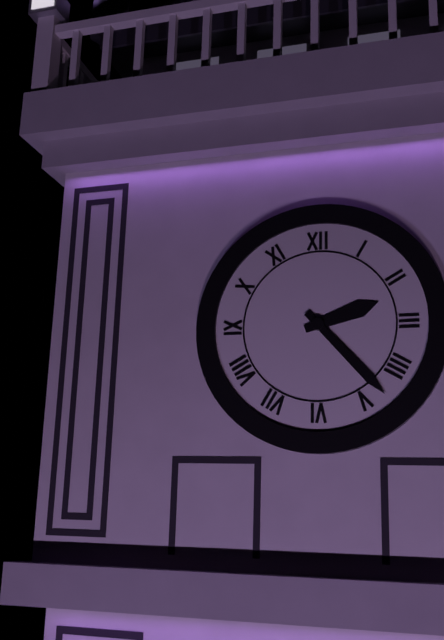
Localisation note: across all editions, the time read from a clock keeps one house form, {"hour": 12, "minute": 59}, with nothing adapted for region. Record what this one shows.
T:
{"hour": 2, "minute": 23}
